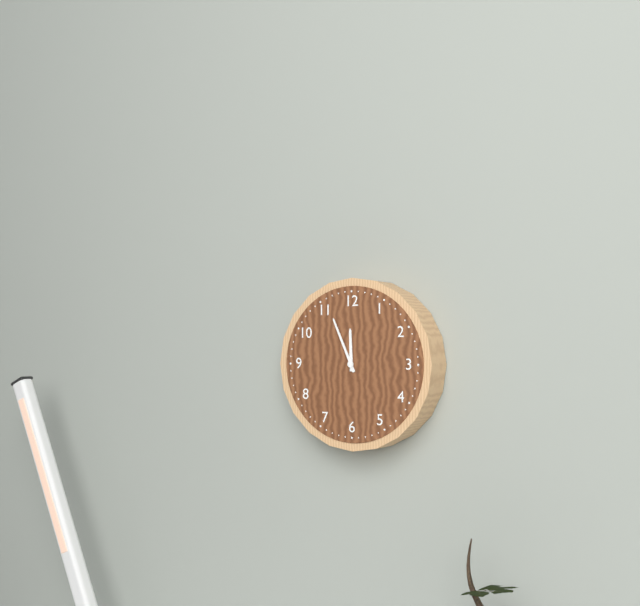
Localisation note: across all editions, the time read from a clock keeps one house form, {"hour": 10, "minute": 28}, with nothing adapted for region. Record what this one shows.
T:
{"hour": 11, "minute": 56}
